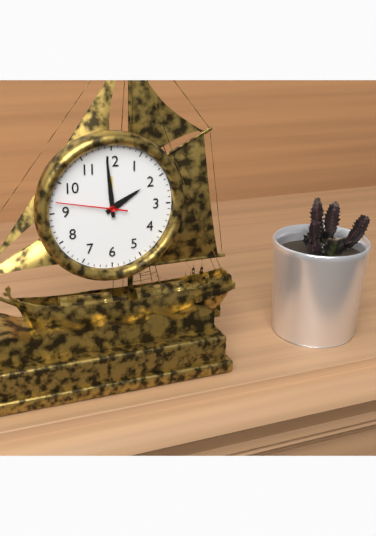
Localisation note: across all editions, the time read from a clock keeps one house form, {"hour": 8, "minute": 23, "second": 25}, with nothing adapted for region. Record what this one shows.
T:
{"hour": 1, "minute": 59, "second": 47}
